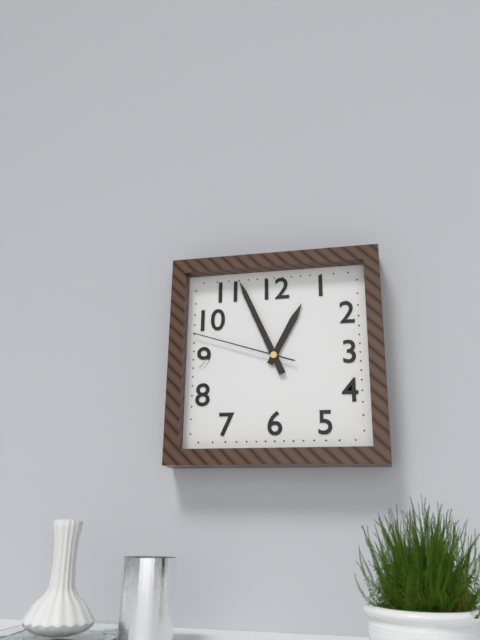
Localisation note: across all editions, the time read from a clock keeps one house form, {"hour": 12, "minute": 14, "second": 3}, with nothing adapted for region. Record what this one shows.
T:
{"hour": 12, "minute": 56, "second": 48}
